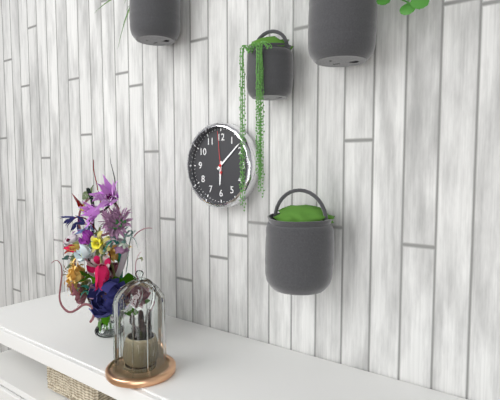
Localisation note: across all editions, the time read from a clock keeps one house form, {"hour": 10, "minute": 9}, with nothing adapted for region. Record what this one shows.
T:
{"hour": 6, "minute": 8}
